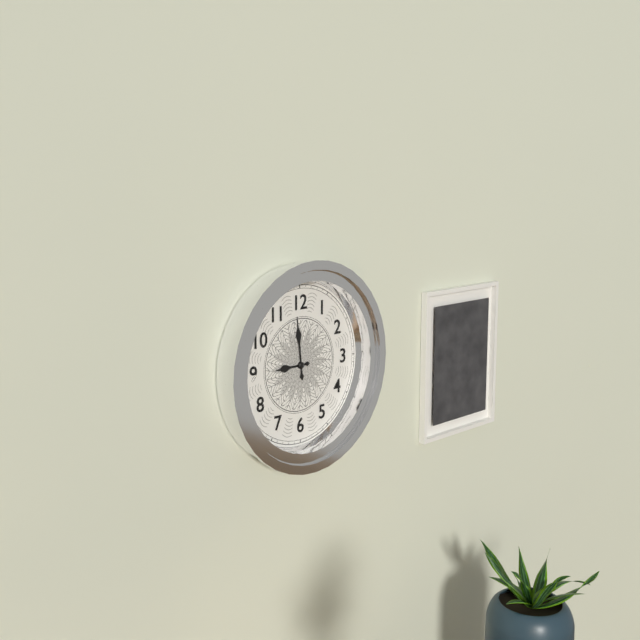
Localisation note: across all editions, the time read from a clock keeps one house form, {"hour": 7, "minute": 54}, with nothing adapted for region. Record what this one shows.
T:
{"hour": 8, "minute": 59}
